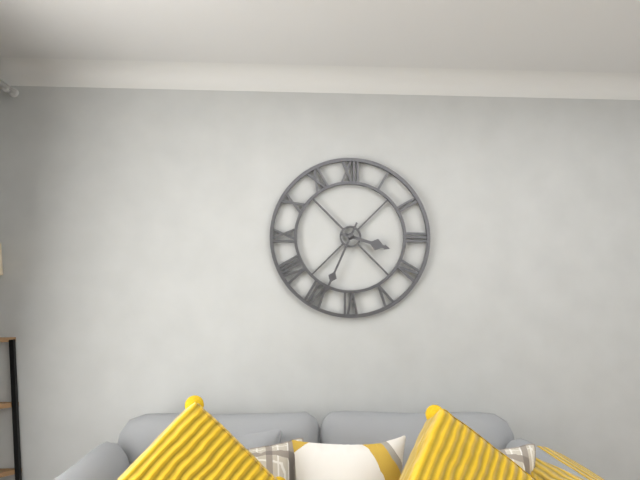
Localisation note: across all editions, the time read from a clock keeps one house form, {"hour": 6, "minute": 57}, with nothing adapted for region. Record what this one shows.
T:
{"hour": 3, "minute": 34}
